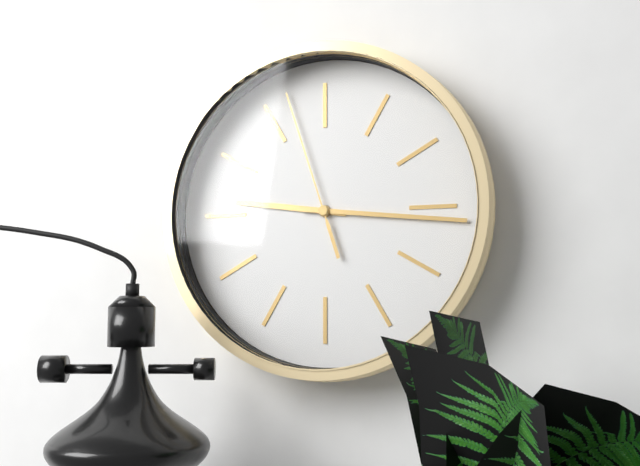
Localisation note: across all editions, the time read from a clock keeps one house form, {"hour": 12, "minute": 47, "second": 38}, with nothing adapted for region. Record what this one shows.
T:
{"hour": 9, "minute": 16, "second": 57}
